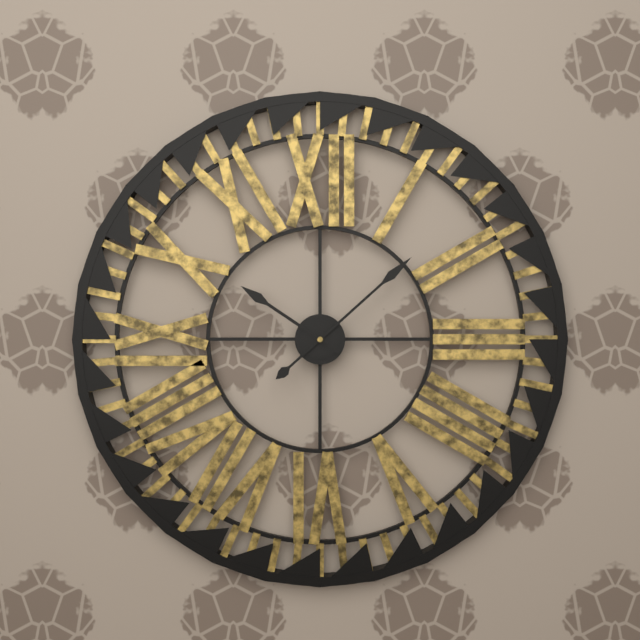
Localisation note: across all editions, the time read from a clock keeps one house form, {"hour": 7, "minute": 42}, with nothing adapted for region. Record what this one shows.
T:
{"hour": 10, "minute": 8}
